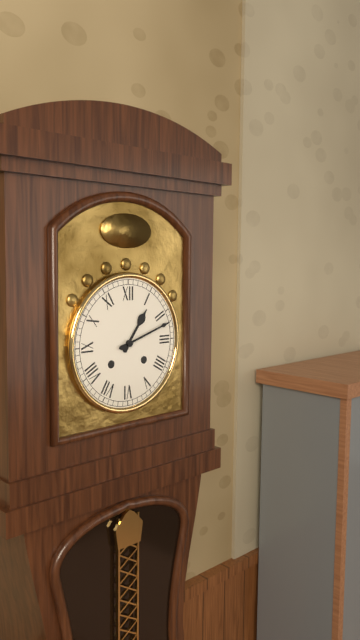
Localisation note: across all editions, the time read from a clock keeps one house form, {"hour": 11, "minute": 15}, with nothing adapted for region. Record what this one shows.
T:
{"hour": 1, "minute": 12}
